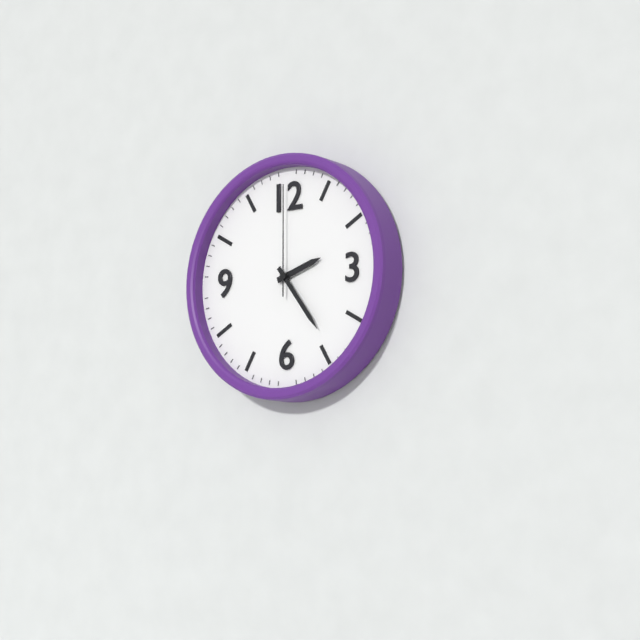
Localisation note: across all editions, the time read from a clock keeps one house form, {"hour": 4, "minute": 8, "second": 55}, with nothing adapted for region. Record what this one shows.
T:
{"hour": 2, "minute": 24, "second": 0}
